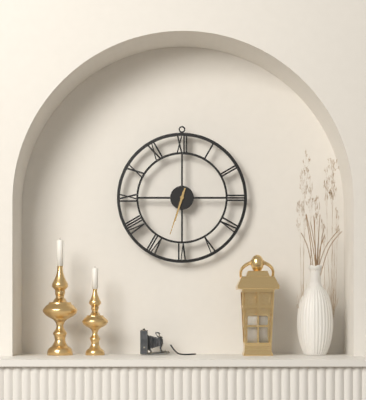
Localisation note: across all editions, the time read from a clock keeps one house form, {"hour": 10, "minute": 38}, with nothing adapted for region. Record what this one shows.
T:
{"hour": 6, "minute": 33}
